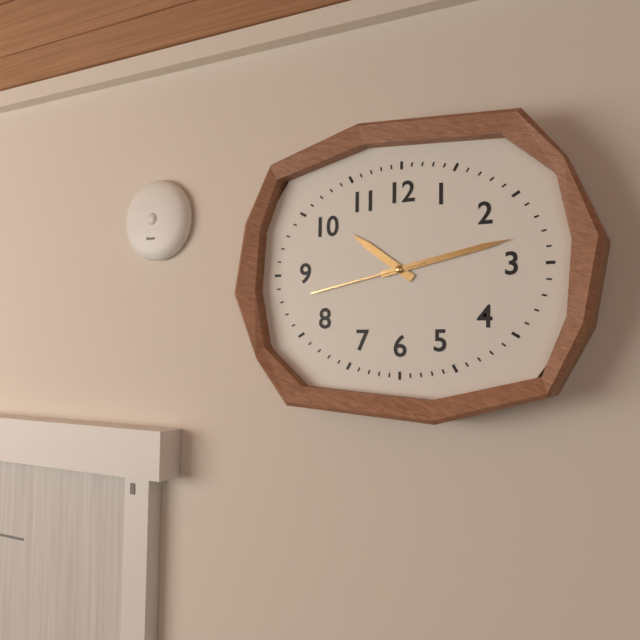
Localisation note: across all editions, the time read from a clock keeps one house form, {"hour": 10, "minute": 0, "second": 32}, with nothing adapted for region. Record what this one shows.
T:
{"hour": 10, "minute": 13, "second": 43}
